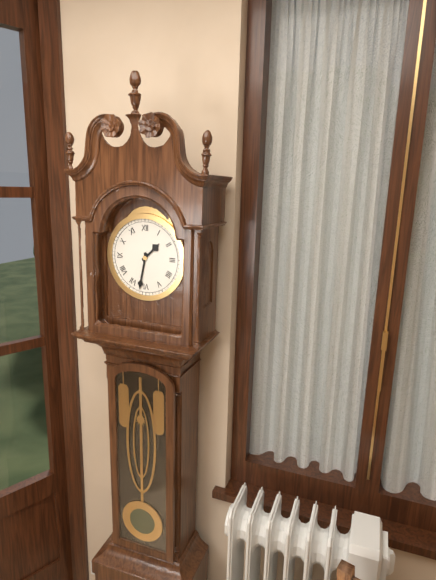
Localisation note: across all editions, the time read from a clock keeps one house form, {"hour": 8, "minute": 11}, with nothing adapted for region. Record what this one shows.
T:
{"hour": 1, "minute": 32}
